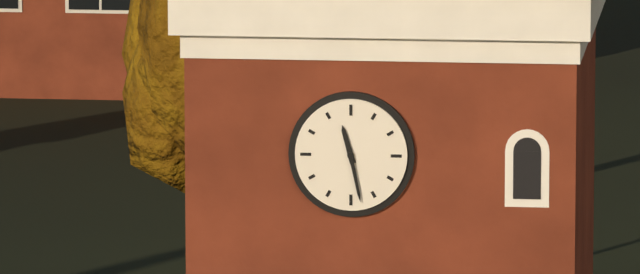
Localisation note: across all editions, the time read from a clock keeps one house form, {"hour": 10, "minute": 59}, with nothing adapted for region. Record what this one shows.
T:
{"hour": 11, "minute": 28}
